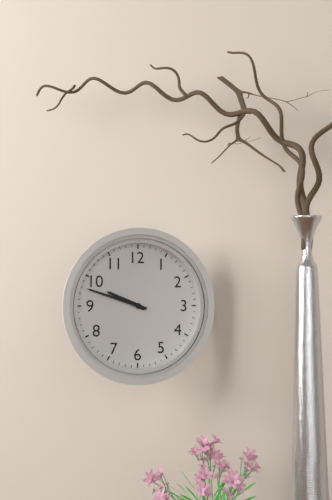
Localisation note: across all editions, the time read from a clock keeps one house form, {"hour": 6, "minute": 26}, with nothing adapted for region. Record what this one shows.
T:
{"hour": 9, "minute": 48}
